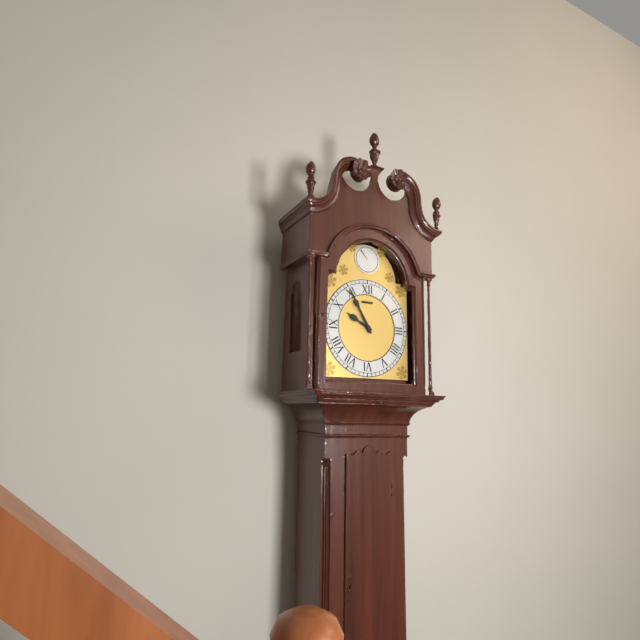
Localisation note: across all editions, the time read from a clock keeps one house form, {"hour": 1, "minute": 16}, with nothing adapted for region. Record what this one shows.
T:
{"hour": 9, "minute": 55}
